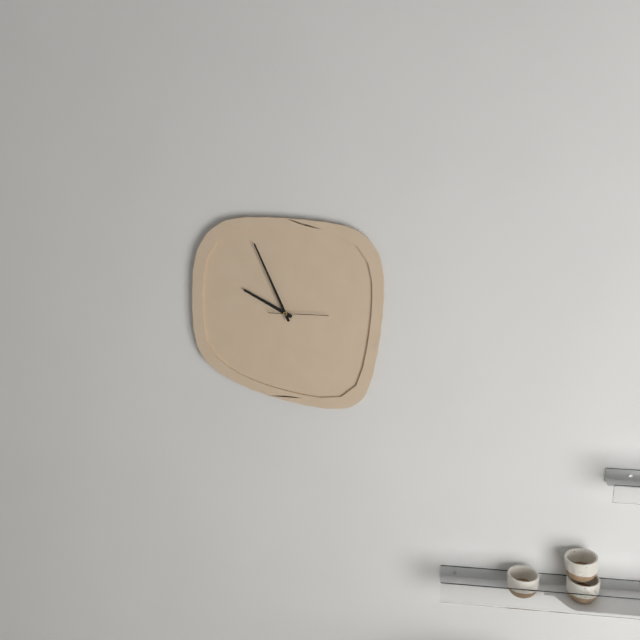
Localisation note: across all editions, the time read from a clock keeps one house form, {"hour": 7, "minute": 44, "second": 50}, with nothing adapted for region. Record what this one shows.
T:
{"hour": 9, "minute": 56, "second": 15}
